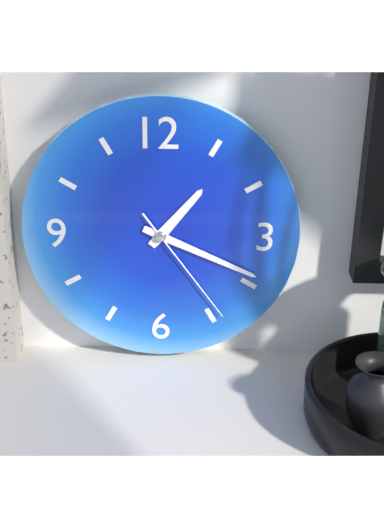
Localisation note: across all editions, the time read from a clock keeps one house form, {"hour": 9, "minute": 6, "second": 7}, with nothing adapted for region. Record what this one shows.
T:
{"hour": 1, "minute": 19, "second": 24}
